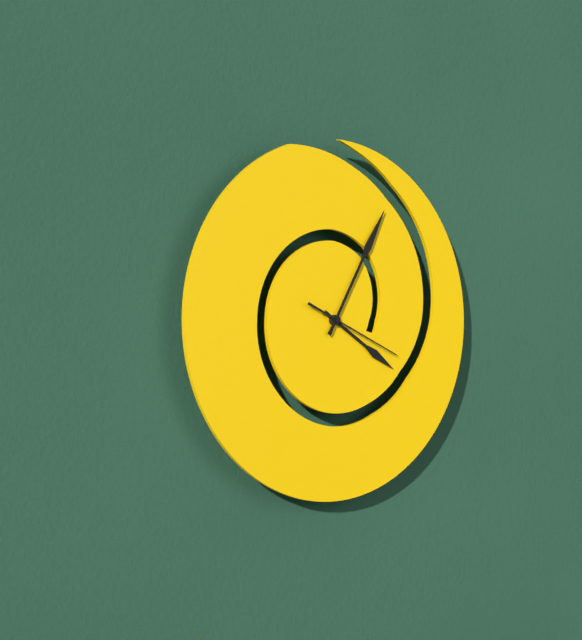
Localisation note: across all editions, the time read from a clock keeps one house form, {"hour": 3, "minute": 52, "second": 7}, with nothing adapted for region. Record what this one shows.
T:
{"hour": 4, "minute": 5, "second": 19}
